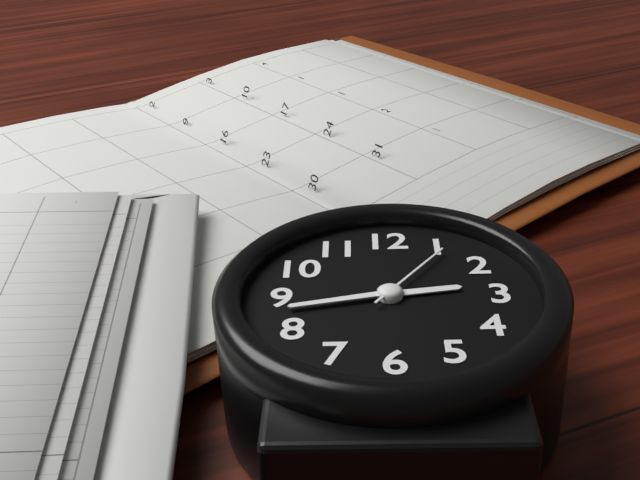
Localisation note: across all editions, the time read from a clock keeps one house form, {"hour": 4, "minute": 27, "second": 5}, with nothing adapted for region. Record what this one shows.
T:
{"hour": 2, "minute": 43, "second": 6}
